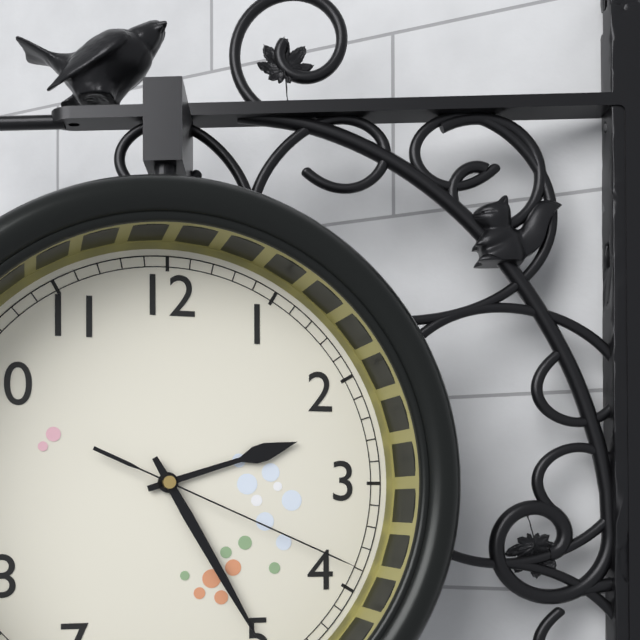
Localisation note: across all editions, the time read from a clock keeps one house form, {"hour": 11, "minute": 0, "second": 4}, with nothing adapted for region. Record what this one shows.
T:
{"hour": 2, "minute": 25, "second": 19}
